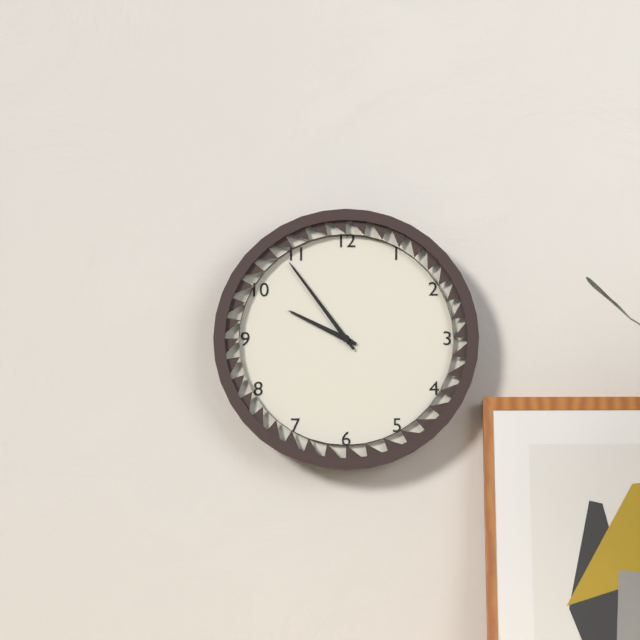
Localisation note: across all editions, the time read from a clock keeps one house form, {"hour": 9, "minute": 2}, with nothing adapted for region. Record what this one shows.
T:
{"hour": 9, "minute": 54}
